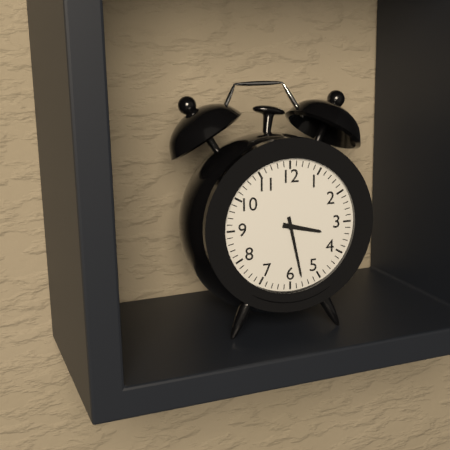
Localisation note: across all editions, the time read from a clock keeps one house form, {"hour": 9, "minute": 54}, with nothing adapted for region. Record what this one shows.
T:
{"hour": 3, "minute": 28}
